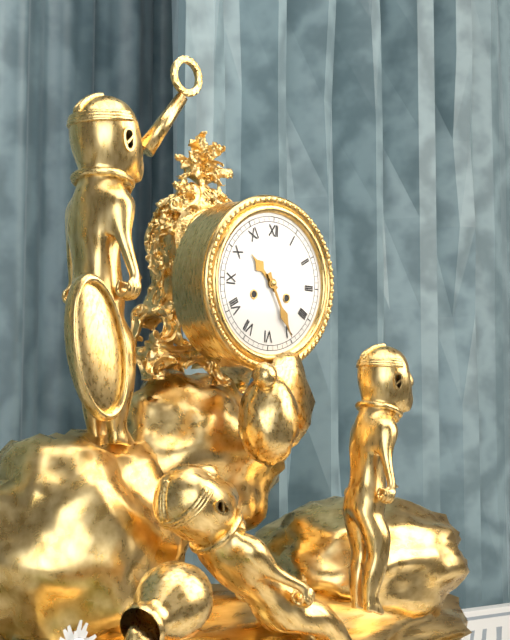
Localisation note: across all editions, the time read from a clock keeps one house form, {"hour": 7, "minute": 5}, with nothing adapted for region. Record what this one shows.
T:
{"hour": 10, "minute": 25}
